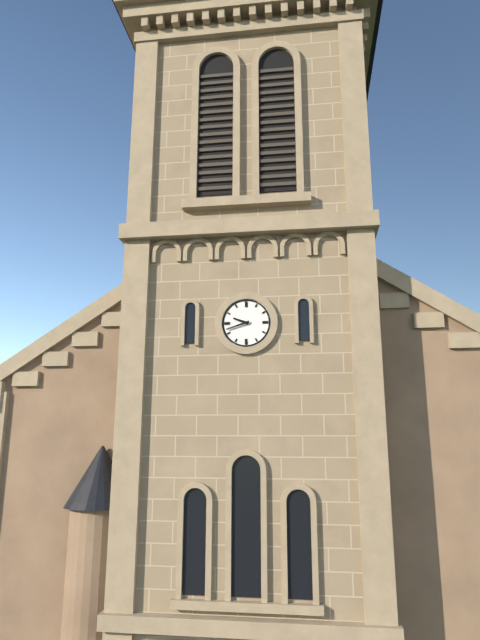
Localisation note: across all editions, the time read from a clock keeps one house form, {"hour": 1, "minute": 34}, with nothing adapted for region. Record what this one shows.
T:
{"hour": 9, "minute": 42}
